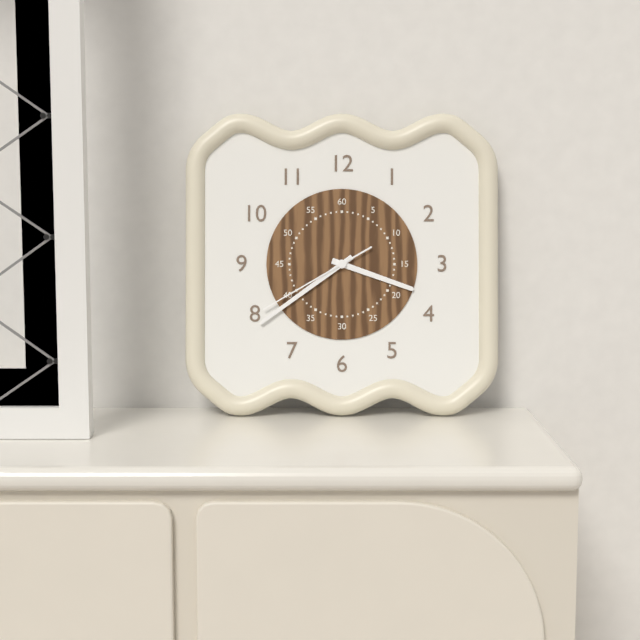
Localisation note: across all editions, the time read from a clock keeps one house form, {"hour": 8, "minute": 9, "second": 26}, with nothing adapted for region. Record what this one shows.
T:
{"hour": 3, "minute": 39, "second": 40}
